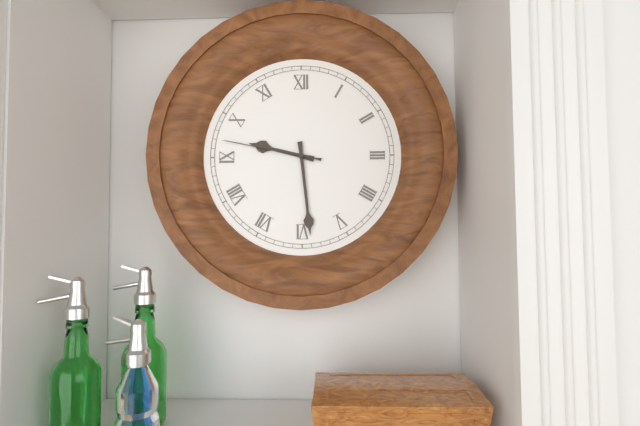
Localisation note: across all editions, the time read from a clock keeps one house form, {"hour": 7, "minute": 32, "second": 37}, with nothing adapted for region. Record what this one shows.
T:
{"hour": 9, "minute": 29, "second": 47}
